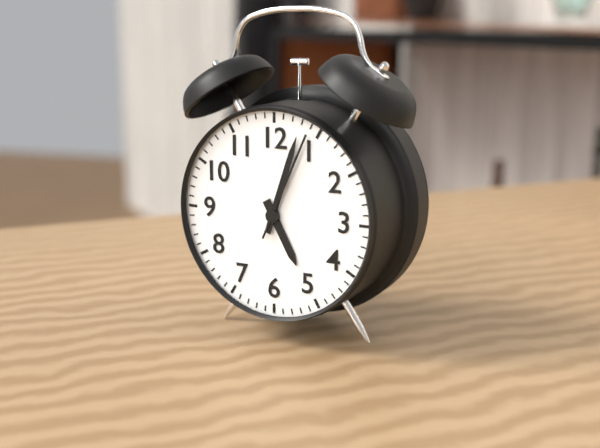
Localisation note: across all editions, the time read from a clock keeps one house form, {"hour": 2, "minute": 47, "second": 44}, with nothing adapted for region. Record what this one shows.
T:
{"hour": 5, "minute": 3, "second": 4}
